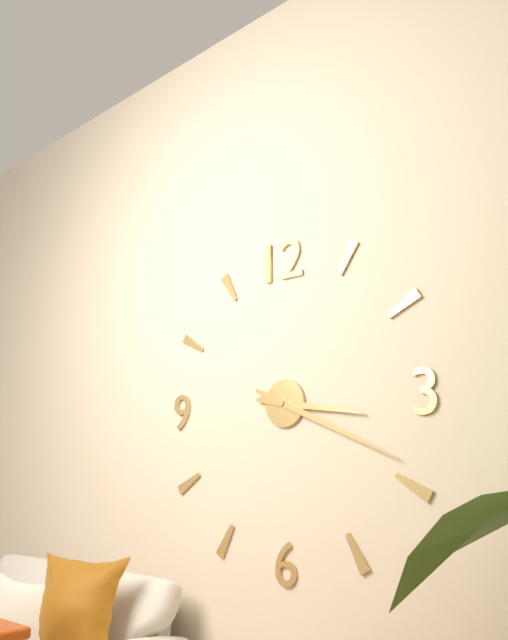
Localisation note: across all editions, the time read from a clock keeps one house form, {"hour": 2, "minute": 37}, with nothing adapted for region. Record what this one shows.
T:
{"hour": 3, "minute": 19}
